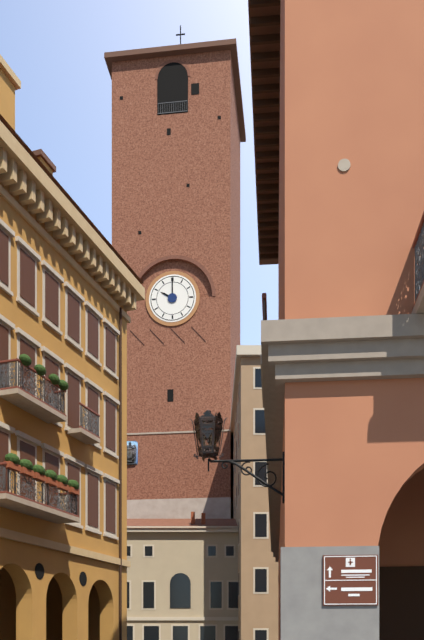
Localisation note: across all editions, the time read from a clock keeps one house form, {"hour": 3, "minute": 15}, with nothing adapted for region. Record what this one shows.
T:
{"hour": 10, "minute": 0}
